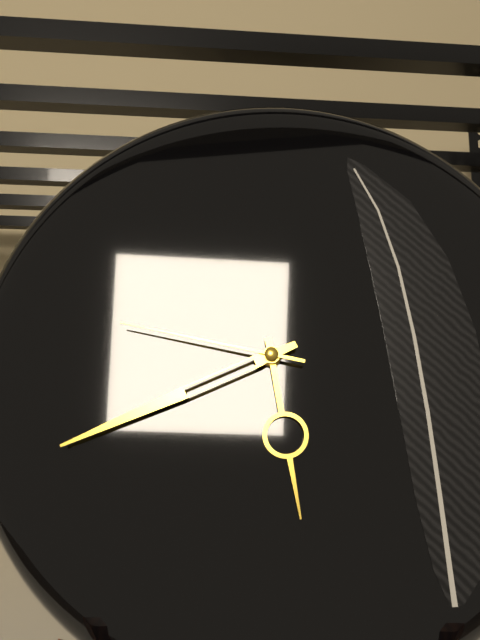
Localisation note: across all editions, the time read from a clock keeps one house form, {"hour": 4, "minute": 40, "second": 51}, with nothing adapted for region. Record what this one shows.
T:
{"hour": 5, "minute": 41, "second": 47}
